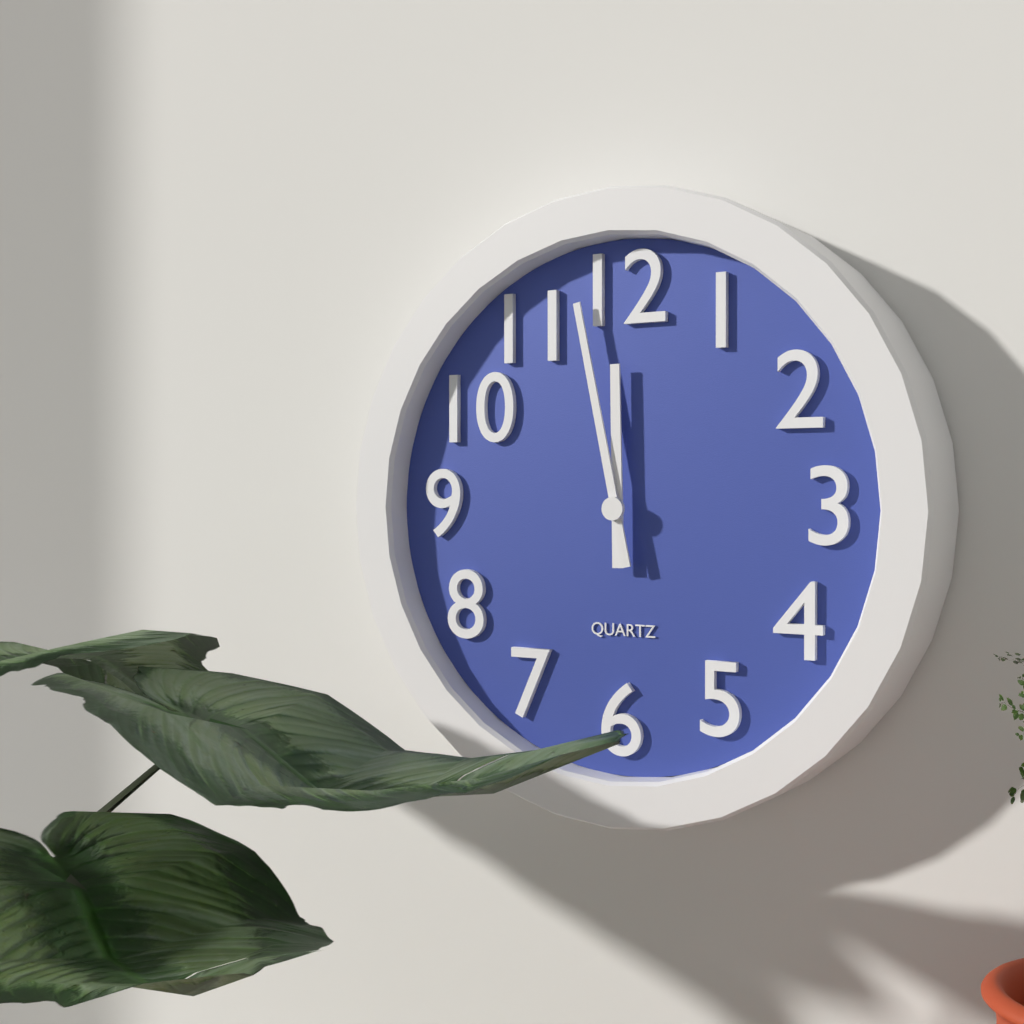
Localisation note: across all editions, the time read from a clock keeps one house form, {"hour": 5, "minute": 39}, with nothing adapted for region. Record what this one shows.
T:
{"hour": 11, "minute": 58}
